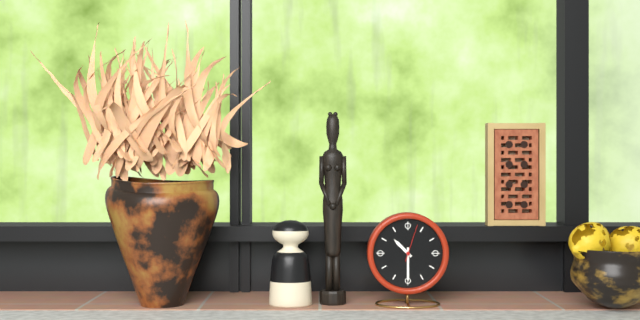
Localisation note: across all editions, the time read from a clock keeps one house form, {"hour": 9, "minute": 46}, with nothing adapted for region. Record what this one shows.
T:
{"hour": 10, "minute": 30}
